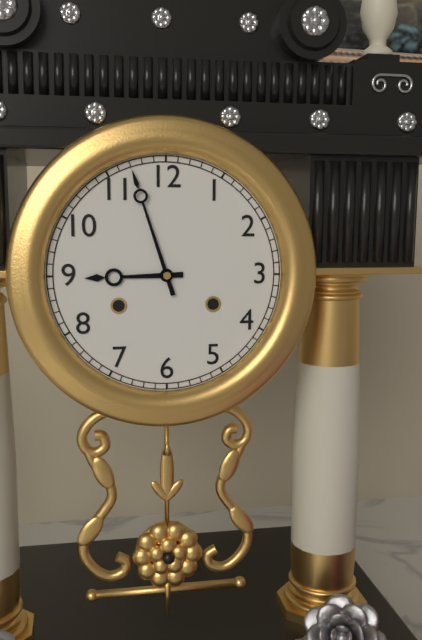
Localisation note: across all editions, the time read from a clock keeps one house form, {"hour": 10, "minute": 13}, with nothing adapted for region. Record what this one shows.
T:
{"hour": 8, "minute": 57}
